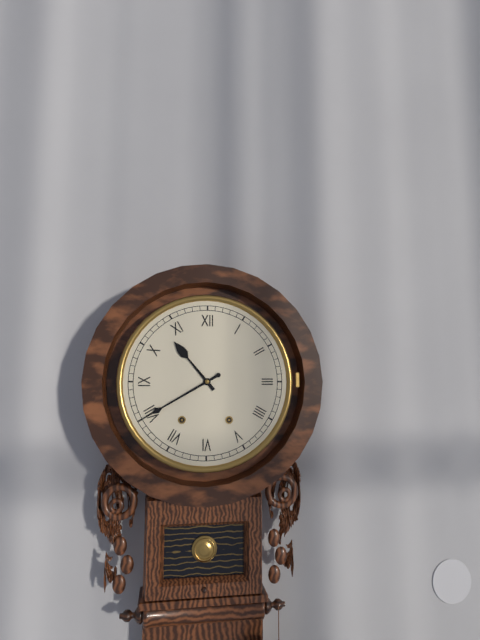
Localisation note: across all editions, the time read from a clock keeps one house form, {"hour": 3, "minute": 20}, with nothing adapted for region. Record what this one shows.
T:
{"hour": 10, "minute": 40}
